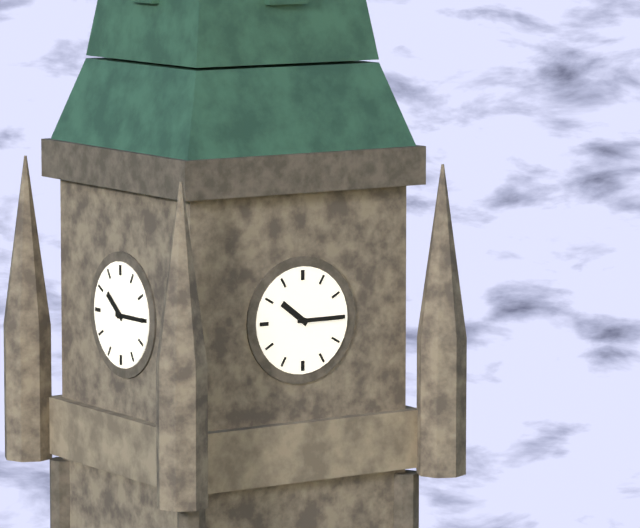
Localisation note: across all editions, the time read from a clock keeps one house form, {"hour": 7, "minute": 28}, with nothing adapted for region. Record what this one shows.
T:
{"hour": 10, "minute": 15}
